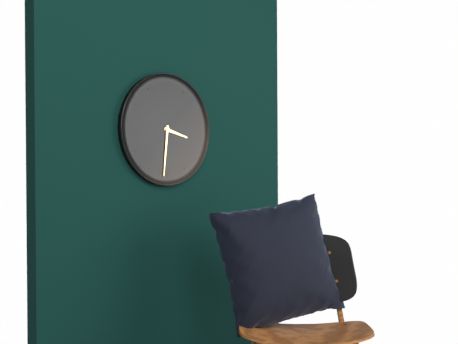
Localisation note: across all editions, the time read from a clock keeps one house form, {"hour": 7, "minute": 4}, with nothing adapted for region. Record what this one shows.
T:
{"hour": 3, "minute": 31}
